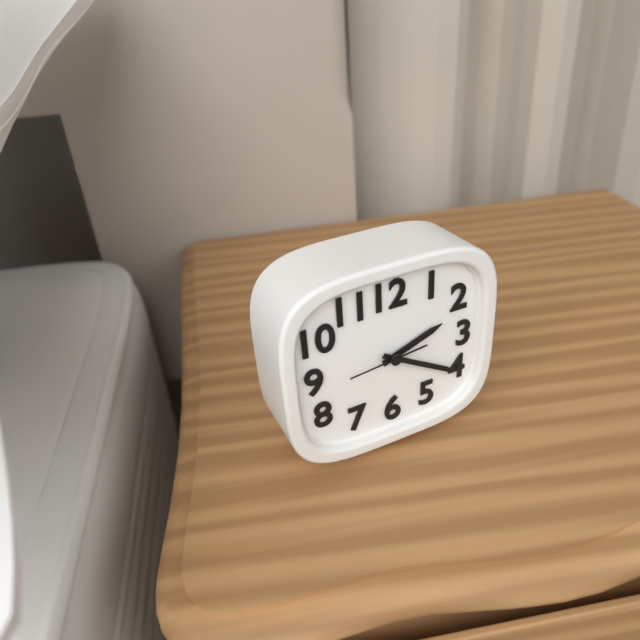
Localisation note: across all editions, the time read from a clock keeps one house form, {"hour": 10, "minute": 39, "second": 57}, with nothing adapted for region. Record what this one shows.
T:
{"hour": 2, "minute": 20, "second": 44}
